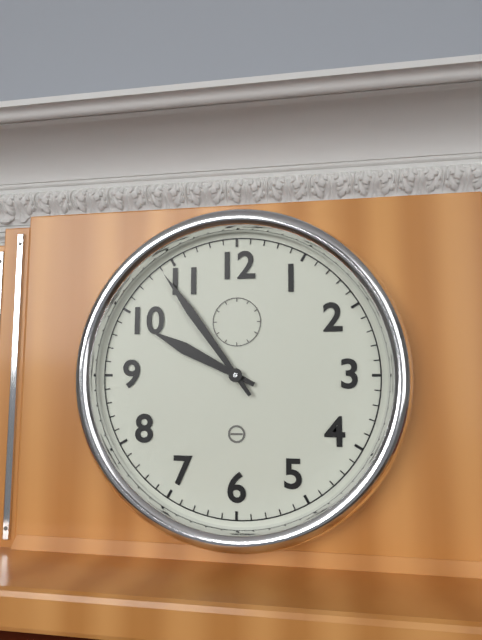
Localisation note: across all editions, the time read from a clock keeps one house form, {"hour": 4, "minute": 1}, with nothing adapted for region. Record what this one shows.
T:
{"hour": 9, "minute": 54}
